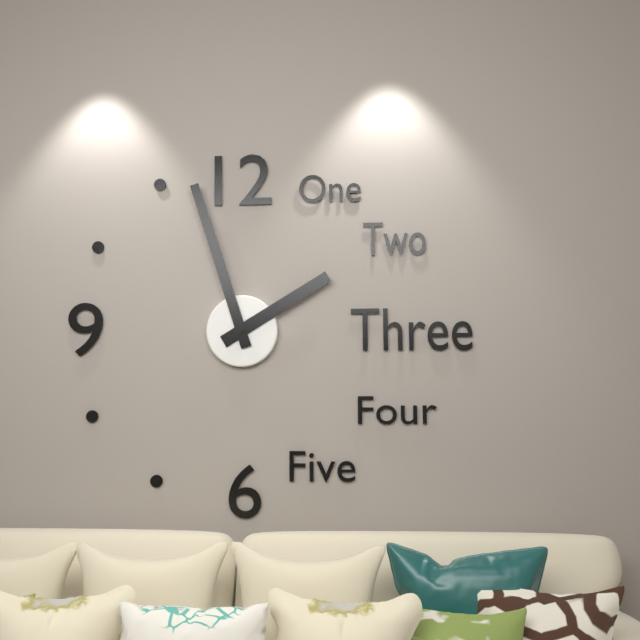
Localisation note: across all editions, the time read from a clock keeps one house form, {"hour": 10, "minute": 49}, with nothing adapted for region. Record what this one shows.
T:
{"hour": 1, "minute": 57}
